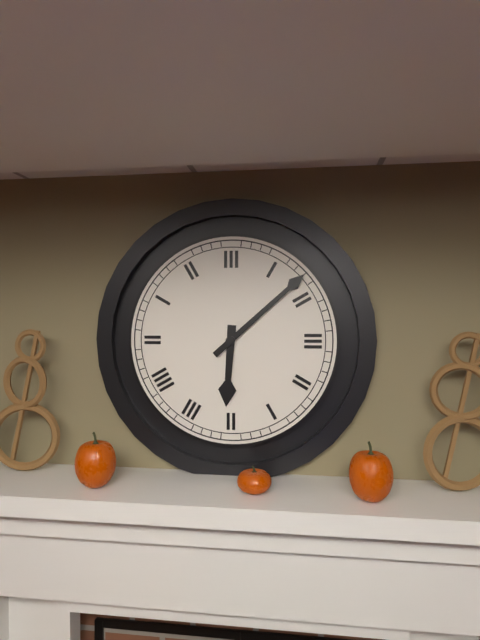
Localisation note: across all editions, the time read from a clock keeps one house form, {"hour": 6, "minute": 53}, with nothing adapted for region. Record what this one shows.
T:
{"hour": 6, "minute": 8}
